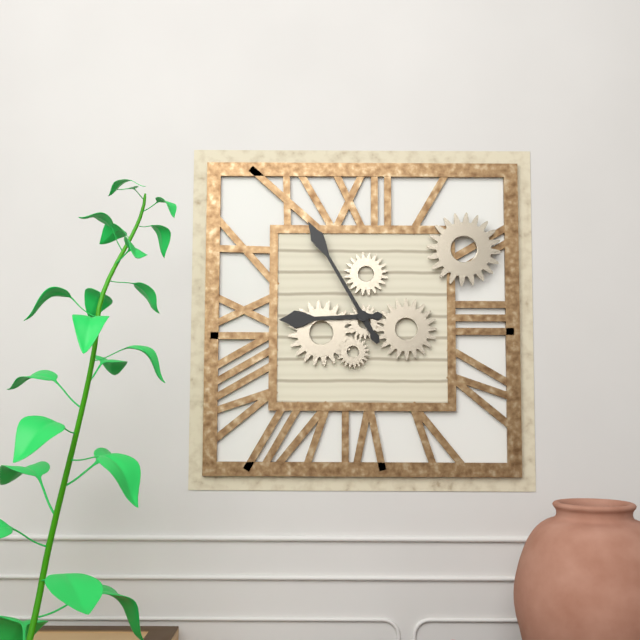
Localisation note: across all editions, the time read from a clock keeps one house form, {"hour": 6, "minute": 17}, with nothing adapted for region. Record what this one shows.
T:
{"hour": 8, "minute": 55}
